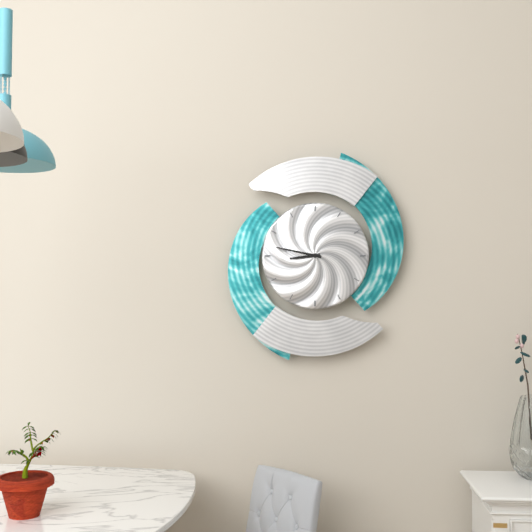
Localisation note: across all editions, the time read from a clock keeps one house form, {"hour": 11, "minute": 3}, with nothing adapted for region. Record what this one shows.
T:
{"hour": 8, "minute": 47}
